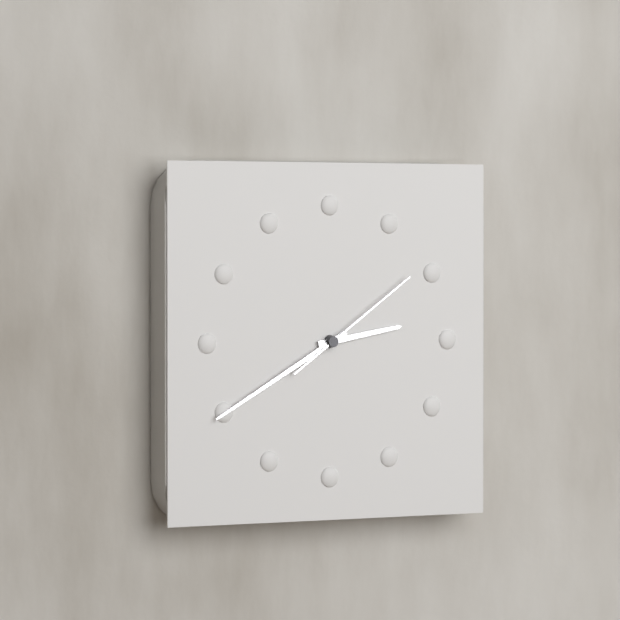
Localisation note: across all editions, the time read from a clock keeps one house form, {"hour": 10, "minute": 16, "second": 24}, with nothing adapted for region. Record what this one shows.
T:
{"hour": 2, "minute": 40, "second": 9}
